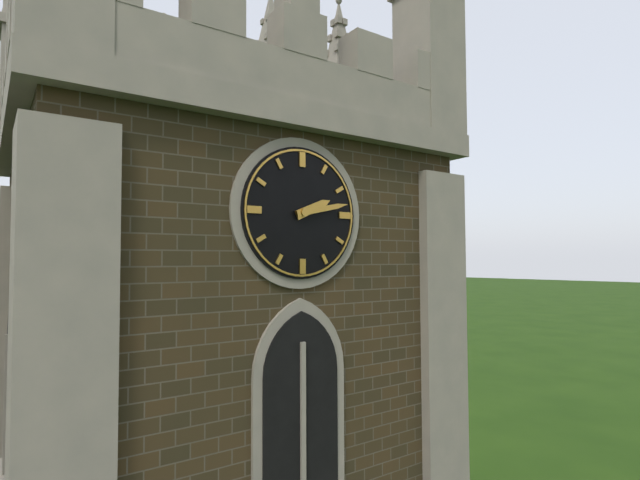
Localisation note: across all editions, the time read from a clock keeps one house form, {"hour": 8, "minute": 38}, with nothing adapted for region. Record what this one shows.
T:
{"hour": 2, "minute": 13}
